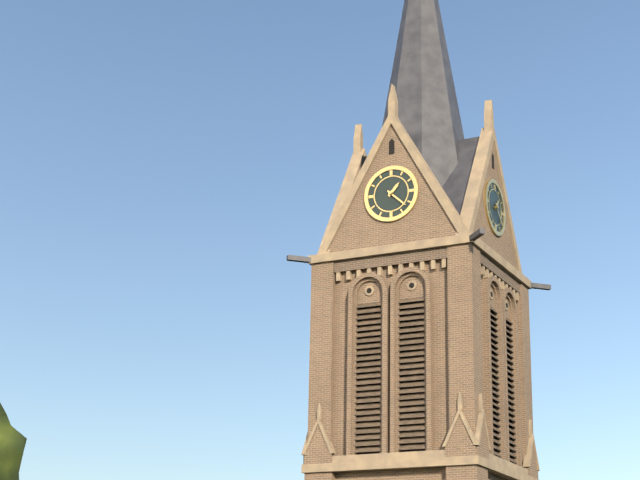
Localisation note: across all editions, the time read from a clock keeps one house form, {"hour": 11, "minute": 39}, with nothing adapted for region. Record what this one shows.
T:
{"hour": 1, "minute": 22}
